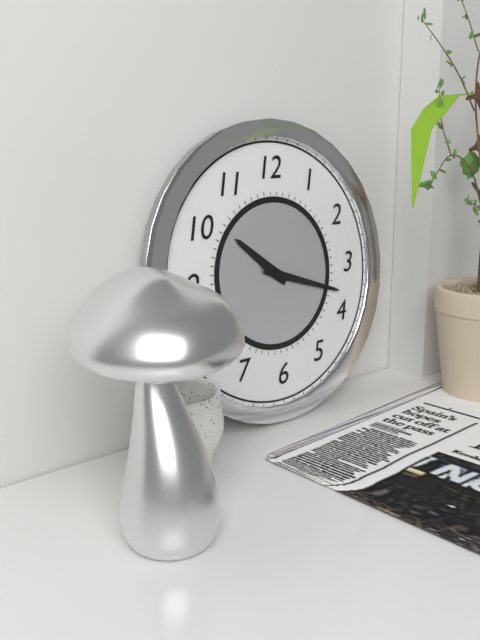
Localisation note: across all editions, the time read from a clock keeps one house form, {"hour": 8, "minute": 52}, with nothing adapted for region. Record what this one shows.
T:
{"hour": 10, "minute": 18}
